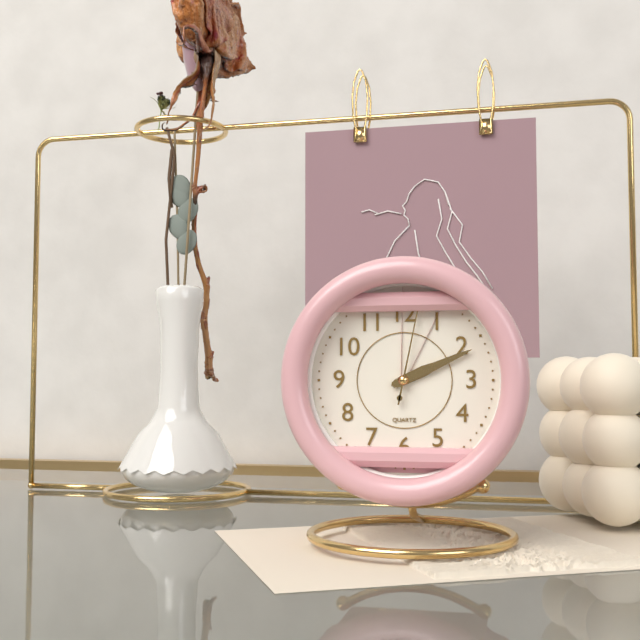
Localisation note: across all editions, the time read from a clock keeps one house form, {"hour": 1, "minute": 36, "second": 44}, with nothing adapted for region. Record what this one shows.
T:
{"hour": 2, "minute": 11, "second": 2}
